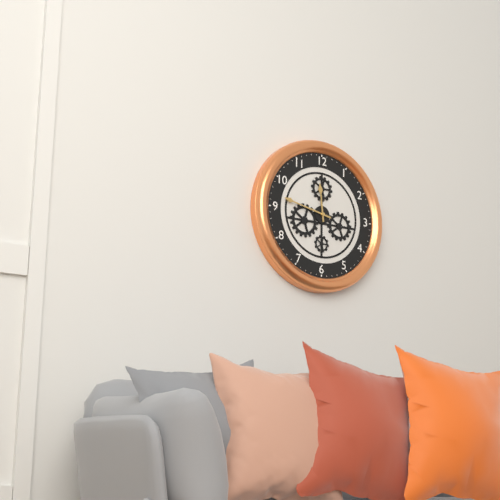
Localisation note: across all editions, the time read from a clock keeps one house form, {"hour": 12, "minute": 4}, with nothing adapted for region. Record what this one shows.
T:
{"hour": 11, "minute": 47}
